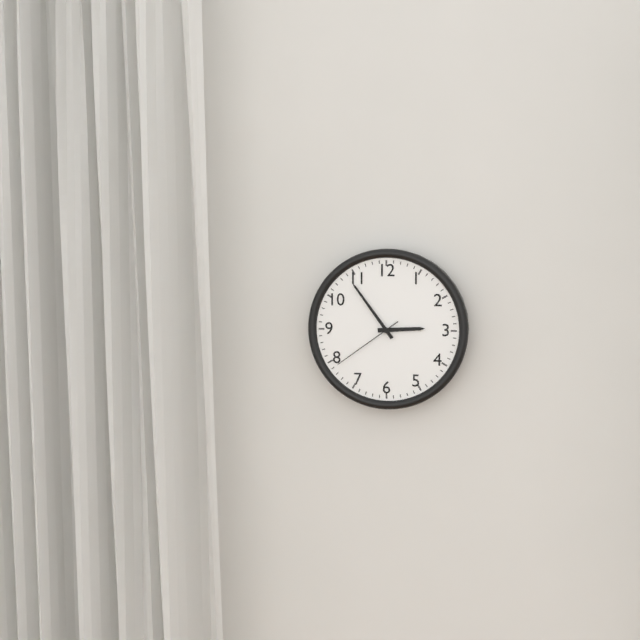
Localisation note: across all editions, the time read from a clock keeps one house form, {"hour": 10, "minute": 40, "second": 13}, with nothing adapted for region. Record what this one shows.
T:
{"hour": 2, "minute": 54, "second": 39}
